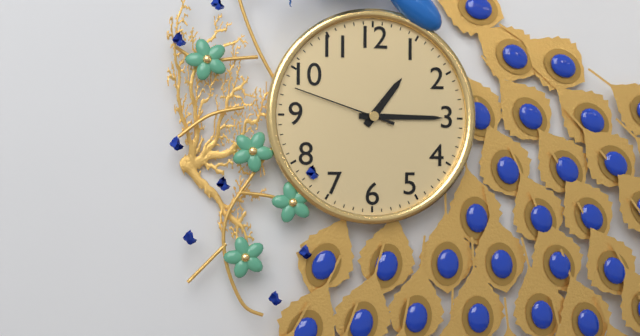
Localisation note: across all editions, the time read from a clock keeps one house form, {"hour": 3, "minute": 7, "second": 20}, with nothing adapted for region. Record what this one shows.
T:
{"hour": 1, "minute": 15, "second": 48}
